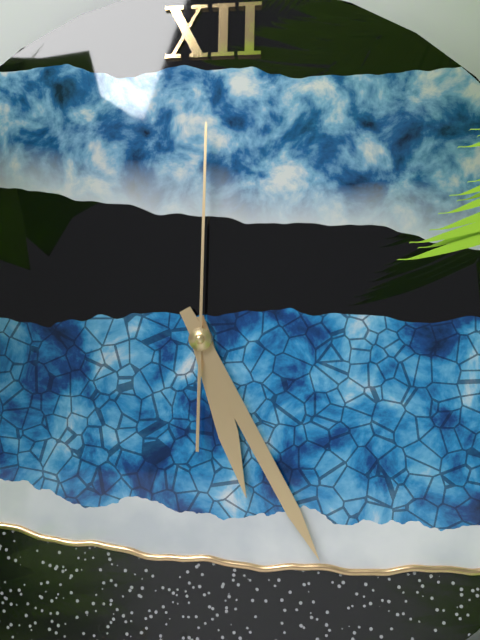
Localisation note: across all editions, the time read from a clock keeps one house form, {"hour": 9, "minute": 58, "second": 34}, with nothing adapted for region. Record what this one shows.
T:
{"hour": 5, "minute": 25, "second": 0}
